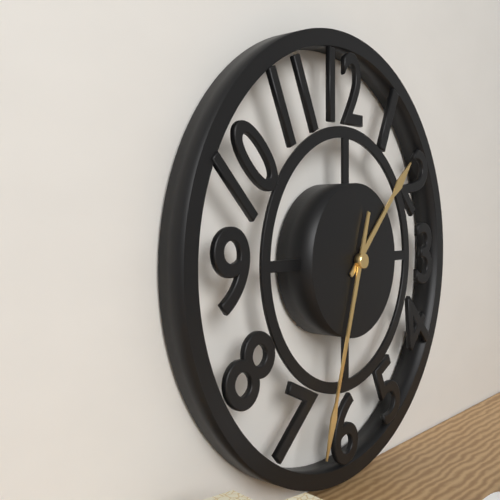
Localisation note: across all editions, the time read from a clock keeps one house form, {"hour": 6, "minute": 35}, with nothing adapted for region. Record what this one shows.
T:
{"hour": 1, "minute": 33}
